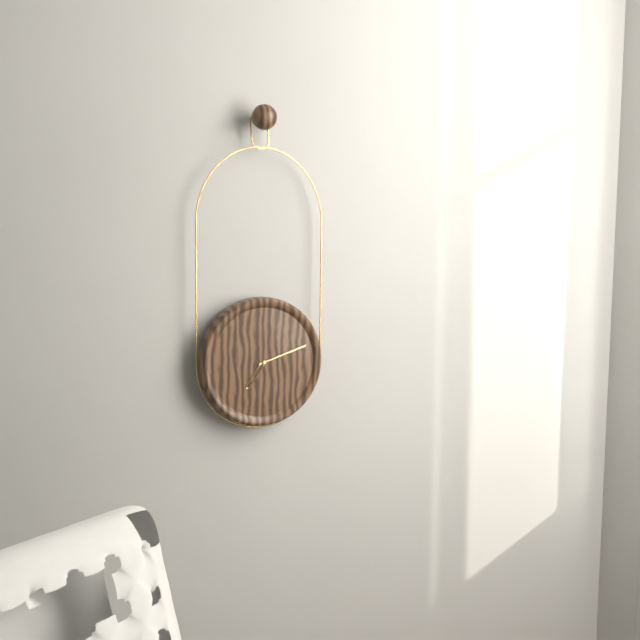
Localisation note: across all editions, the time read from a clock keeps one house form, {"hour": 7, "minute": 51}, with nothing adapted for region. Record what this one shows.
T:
{"hour": 7, "minute": 12}
